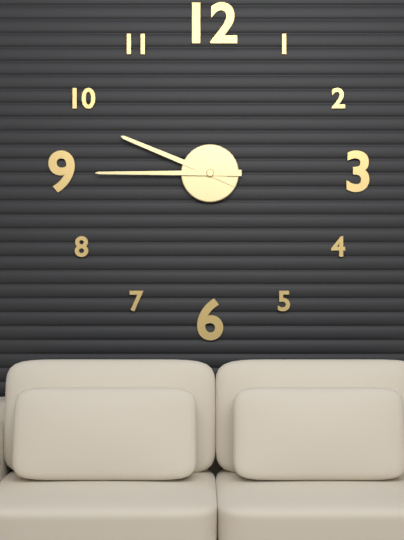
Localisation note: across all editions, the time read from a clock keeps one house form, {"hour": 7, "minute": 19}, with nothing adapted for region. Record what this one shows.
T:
{"hour": 9, "minute": 45}
